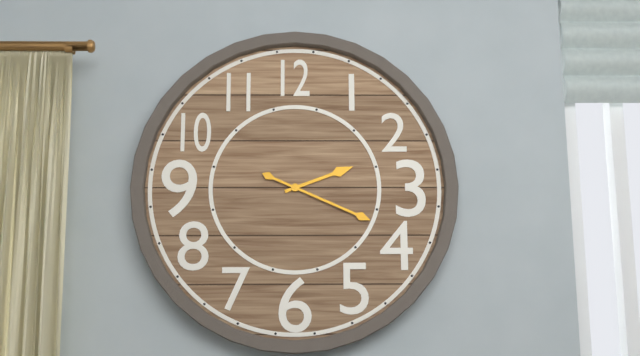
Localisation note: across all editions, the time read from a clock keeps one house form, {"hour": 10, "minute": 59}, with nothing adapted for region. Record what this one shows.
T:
{"hour": 2, "minute": 19}
